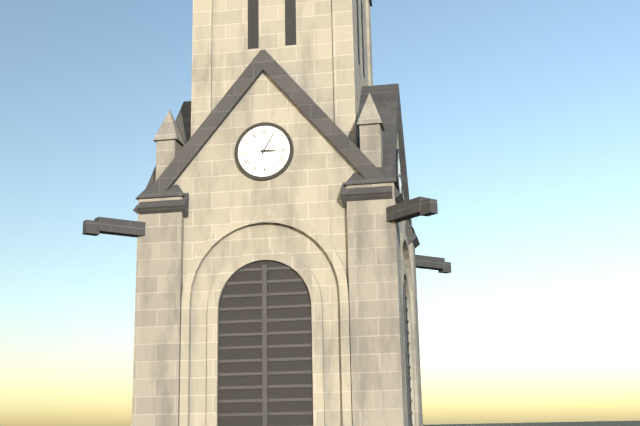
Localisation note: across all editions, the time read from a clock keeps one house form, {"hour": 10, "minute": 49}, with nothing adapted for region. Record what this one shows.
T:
{"hour": 3, "minute": 5}
